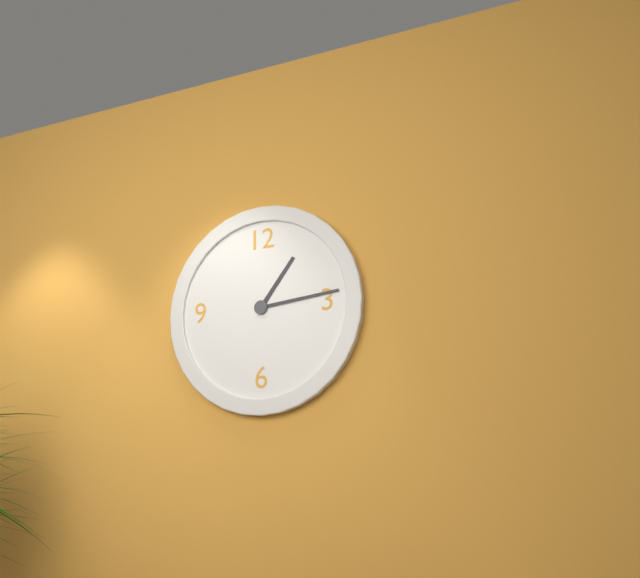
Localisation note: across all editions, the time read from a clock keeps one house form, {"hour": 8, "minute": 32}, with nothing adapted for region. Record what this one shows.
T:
{"hour": 1, "minute": 14}
